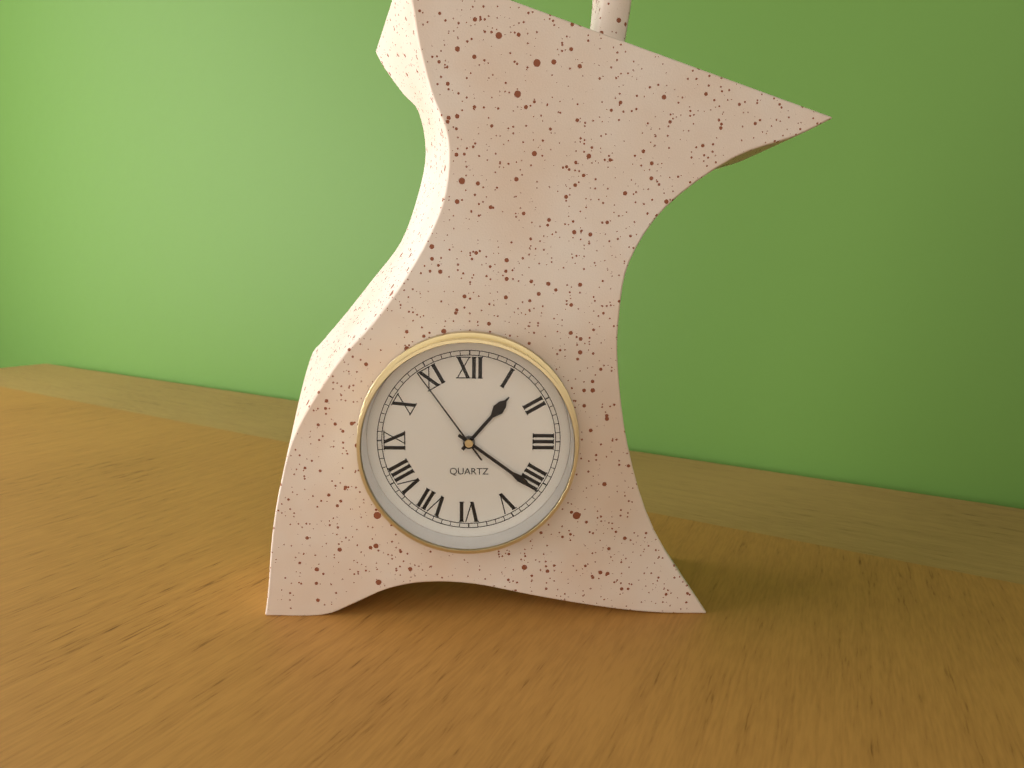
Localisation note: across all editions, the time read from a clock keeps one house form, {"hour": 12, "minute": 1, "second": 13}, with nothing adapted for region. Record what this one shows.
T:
{"hour": 1, "minute": 21, "second": 54}
